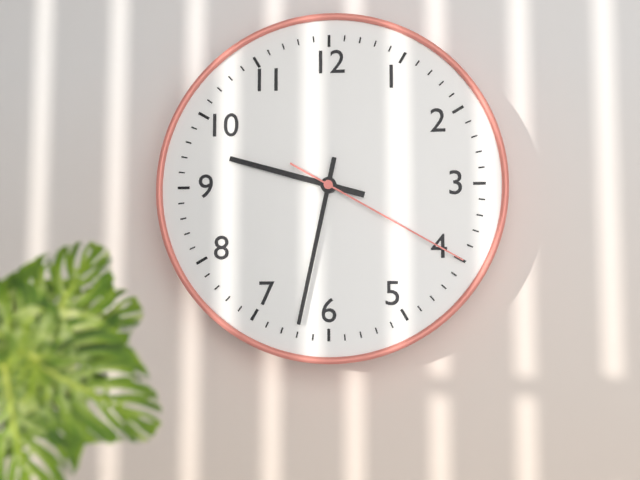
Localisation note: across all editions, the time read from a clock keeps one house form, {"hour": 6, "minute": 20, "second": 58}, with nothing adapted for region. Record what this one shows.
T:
{"hour": 9, "minute": 32, "second": 20}
